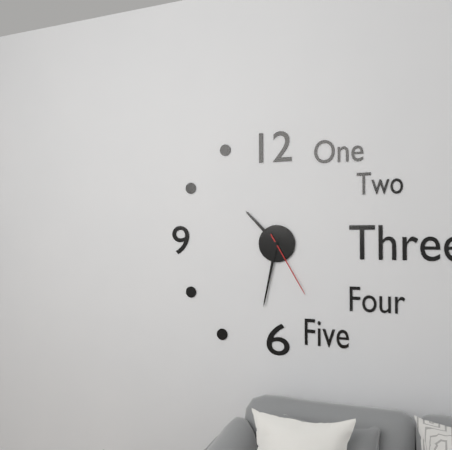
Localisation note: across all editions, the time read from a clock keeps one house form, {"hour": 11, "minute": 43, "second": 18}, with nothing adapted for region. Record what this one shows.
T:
{"hour": 10, "minute": 32, "second": 25}
